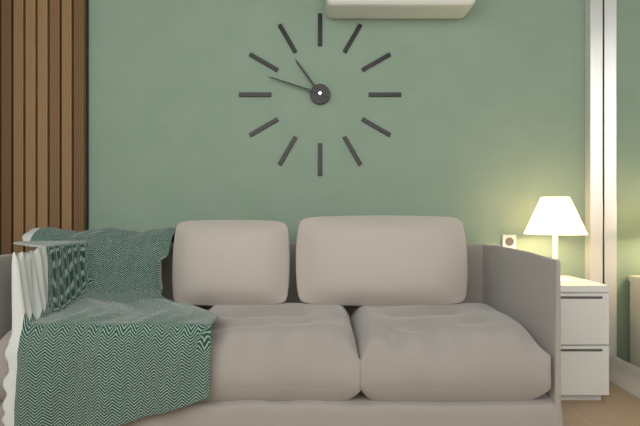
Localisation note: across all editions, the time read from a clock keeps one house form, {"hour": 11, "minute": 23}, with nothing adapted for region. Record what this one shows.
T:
{"hour": 10, "minute": 48}
